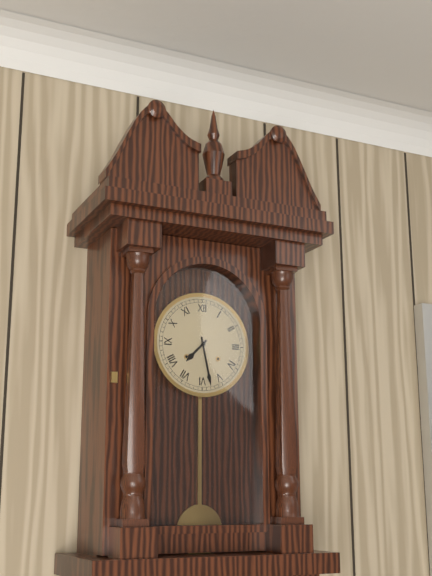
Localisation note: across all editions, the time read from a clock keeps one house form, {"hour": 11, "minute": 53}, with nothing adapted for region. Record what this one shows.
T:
{"hour": 7, "minute": 28}
